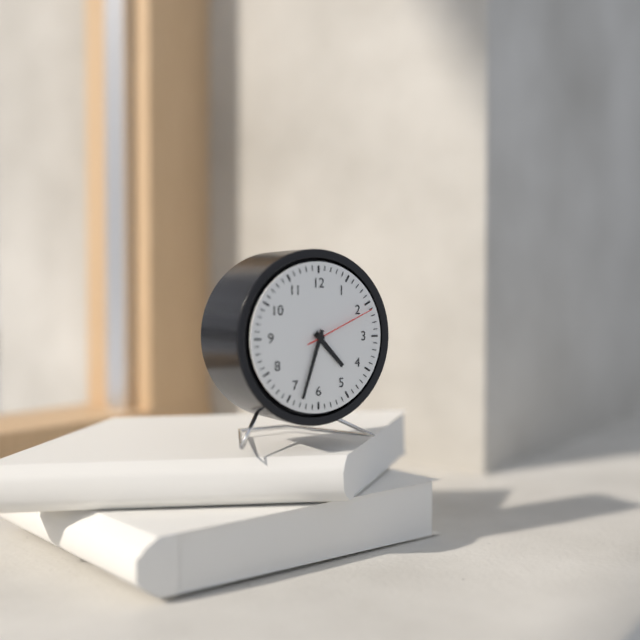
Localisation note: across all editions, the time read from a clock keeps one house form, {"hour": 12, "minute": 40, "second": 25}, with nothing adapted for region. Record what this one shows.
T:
{"hour": 4, "minute": 33, "second": 11}
